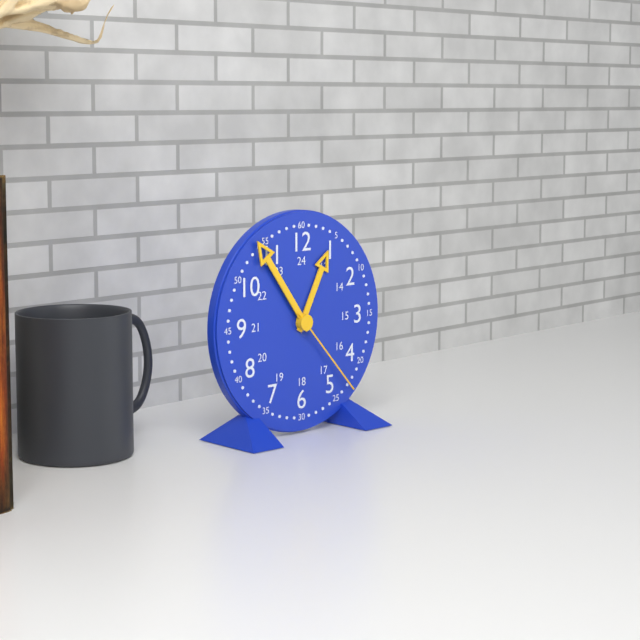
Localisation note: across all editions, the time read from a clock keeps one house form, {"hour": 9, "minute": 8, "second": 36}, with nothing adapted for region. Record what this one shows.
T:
{"hour": 12, "minute": 54, "second": 23}
